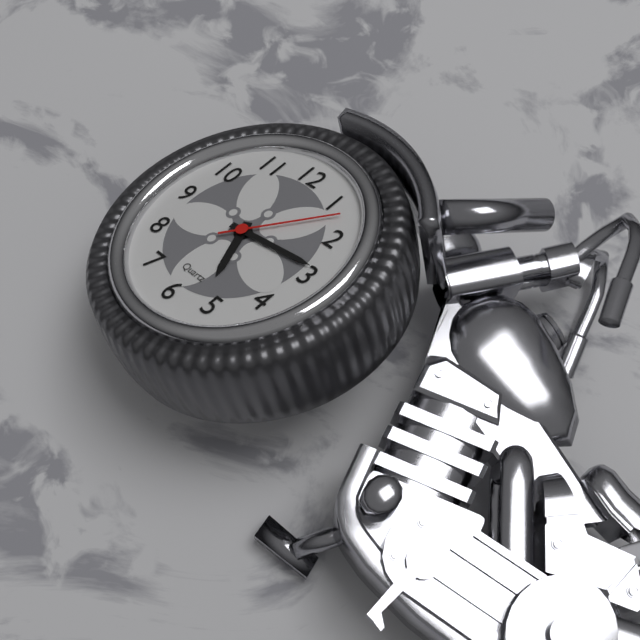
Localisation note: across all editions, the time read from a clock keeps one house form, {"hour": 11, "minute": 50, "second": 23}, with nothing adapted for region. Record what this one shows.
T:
{"hour": 5, "minute": 14, "second": 7}
